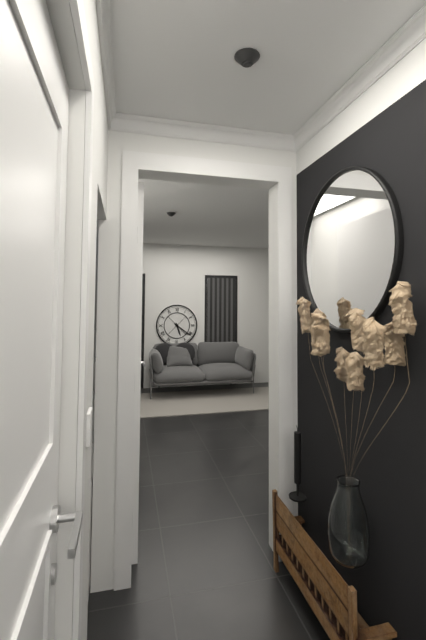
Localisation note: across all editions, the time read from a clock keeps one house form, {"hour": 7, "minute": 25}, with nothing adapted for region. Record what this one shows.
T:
{"hour": 5, "minute": 21}
